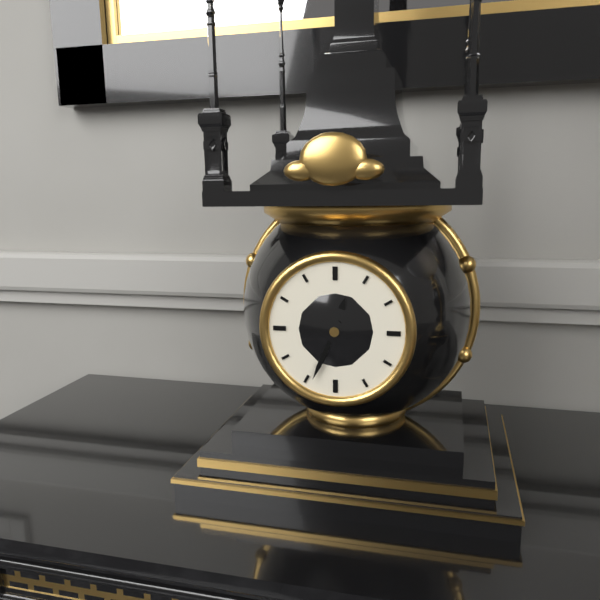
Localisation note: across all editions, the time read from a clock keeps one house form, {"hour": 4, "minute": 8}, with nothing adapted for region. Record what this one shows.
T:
{"hour": 12, "minute": 34}
